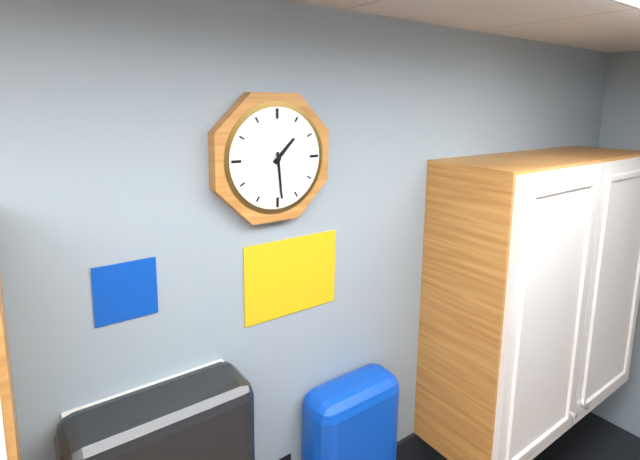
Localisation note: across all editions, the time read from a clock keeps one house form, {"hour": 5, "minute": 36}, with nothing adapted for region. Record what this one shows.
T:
{"hour": 1, "minute": 29}
